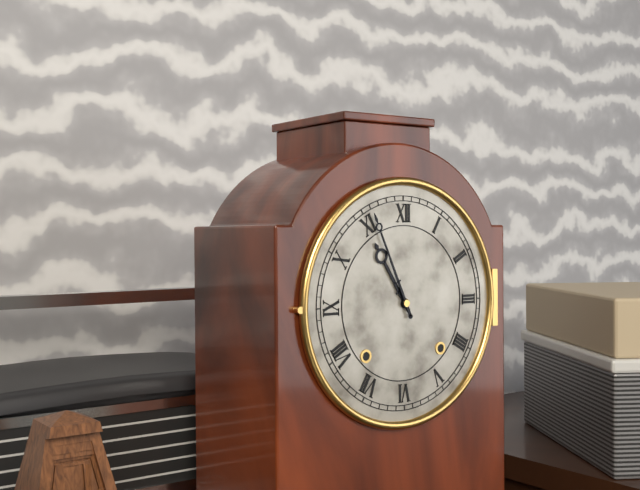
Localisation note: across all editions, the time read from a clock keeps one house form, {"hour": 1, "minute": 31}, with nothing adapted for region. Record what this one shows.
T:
{"hour": 10, "minute": 56}
